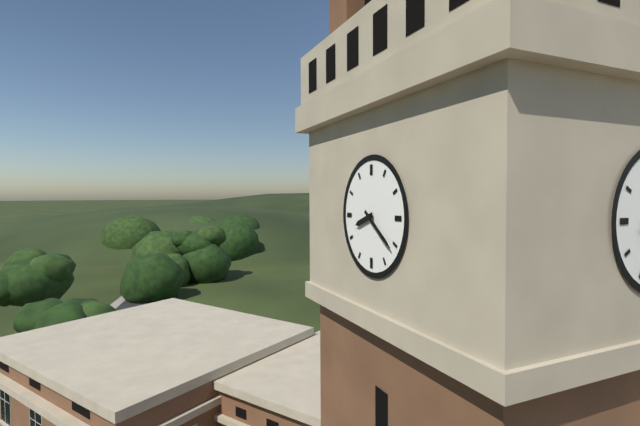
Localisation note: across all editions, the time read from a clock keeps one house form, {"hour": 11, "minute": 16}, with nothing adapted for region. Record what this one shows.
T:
{"hour": 8, "minute": 21}
